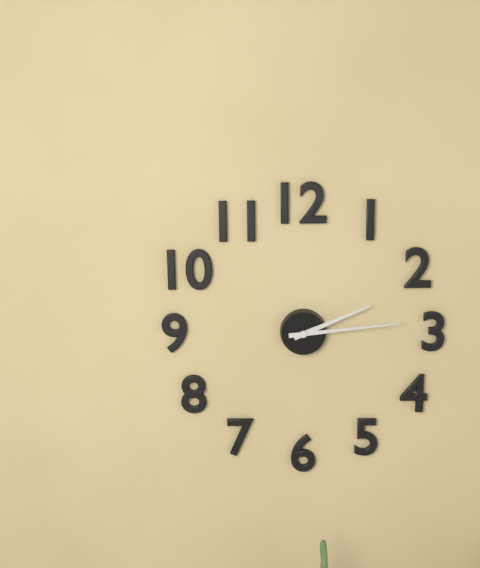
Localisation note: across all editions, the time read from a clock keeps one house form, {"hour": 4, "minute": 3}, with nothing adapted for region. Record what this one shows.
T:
{"hour": 2, "minute": 14}
